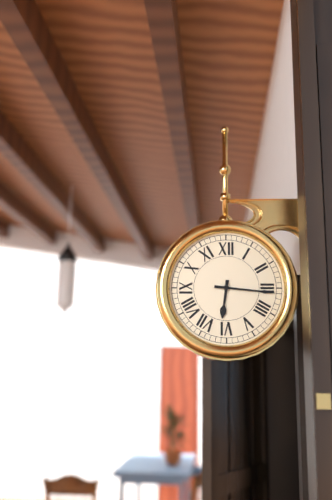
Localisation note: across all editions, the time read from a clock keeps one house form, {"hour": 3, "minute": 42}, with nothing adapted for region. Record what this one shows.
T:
{"hour": 6, "minute": 16}
